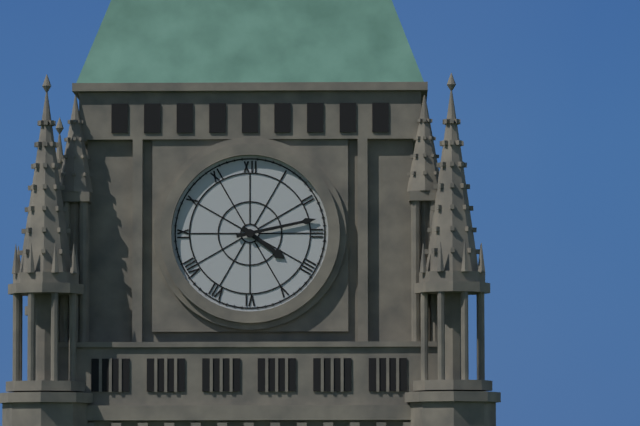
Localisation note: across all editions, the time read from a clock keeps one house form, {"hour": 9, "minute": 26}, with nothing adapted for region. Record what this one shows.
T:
{"hour": 4, "minute": 13}
